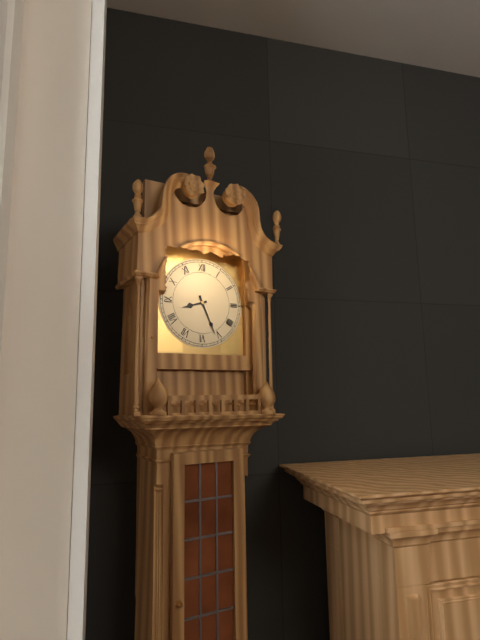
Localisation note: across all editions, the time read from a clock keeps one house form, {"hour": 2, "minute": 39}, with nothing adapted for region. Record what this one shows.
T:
{"hour": 8, "minute": 26}
